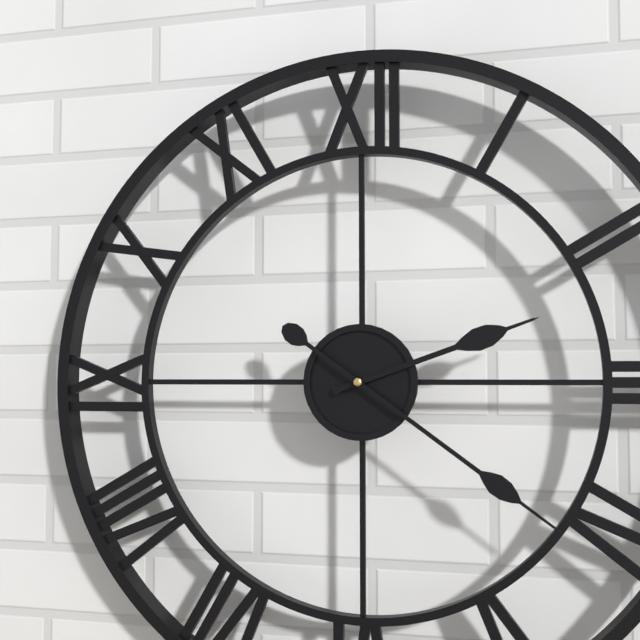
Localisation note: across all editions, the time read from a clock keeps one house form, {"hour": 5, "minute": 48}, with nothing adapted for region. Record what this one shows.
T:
{"hour": 2, "minute": 21}
